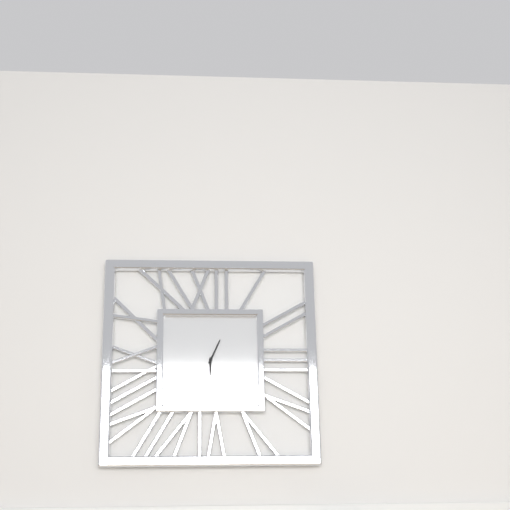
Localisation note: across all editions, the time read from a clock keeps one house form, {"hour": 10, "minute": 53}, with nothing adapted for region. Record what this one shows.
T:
{"hour": 6, "minute": 4}
